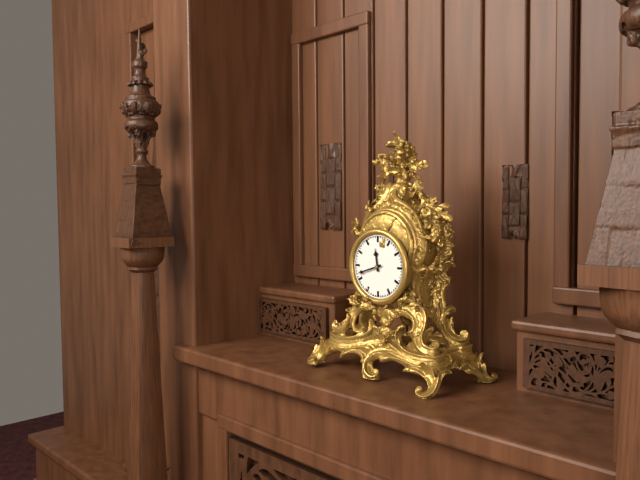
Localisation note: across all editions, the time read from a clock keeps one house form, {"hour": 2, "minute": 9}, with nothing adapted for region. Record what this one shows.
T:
{"hour": 11, "minute": 42}
